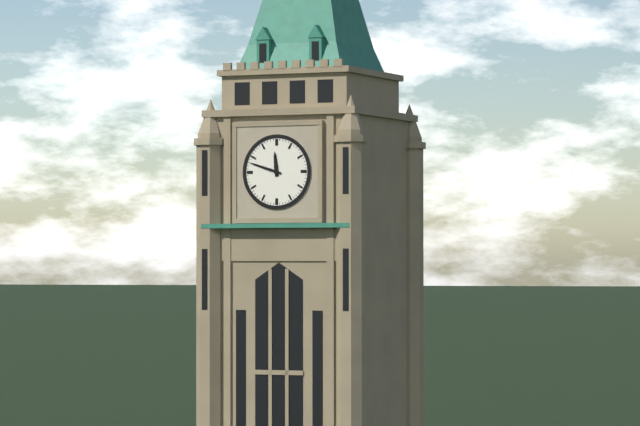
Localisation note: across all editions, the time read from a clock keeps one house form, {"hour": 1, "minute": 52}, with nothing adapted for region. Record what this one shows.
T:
{"hour": 11, "minute": 48}
